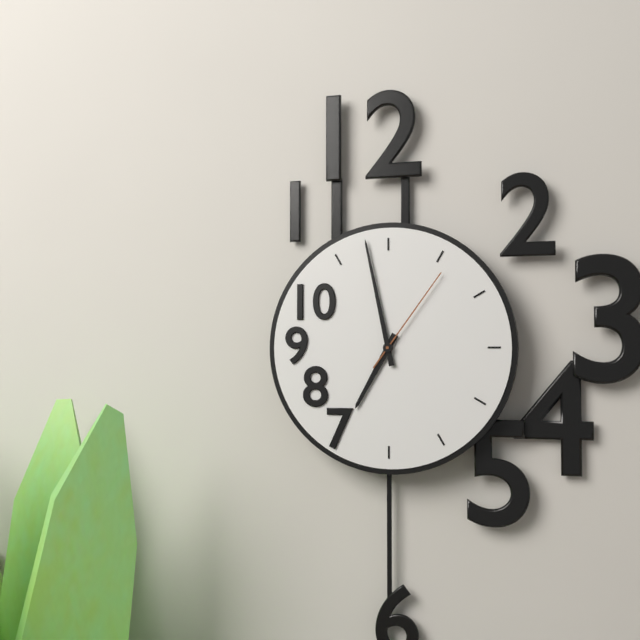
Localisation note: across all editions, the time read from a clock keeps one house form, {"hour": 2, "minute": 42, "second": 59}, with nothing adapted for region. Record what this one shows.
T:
{"hour": 6, "minute": 58, "second": 6}
